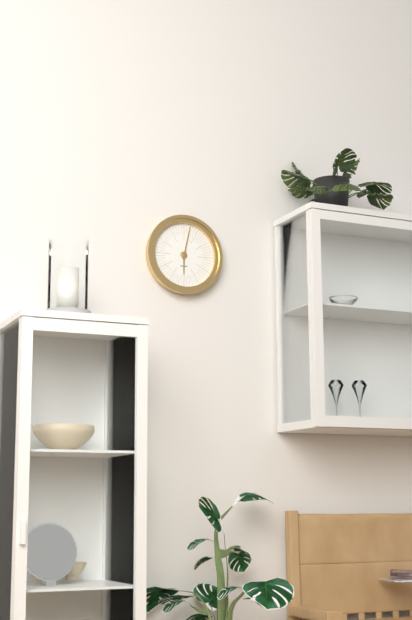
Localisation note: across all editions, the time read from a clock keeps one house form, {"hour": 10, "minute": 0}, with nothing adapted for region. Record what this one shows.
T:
{"hour": 6, "minute": 2}
